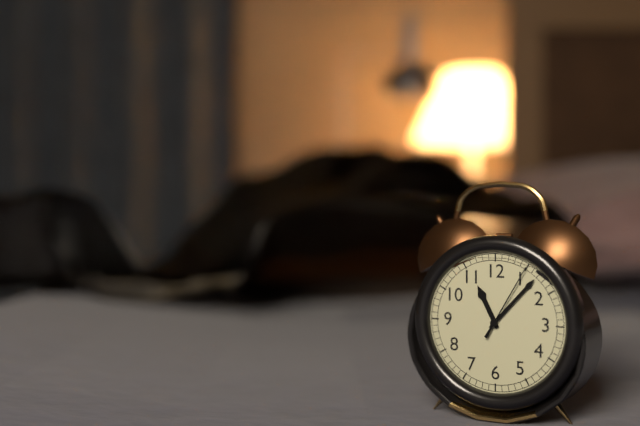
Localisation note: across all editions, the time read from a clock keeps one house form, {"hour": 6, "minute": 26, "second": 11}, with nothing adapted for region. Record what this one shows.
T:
{"hour": 11, "minute": 7, "second": 5}
